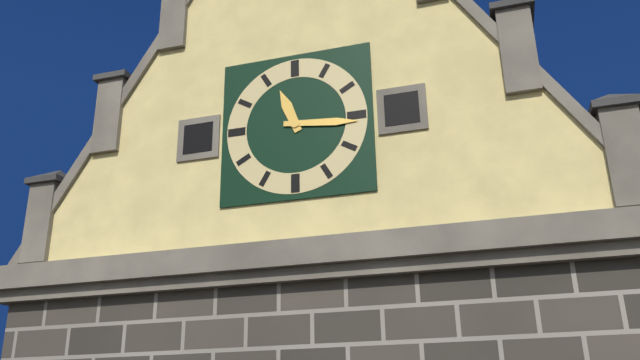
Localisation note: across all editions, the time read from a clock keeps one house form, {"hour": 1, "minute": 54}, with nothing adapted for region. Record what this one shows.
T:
{"hour": 11, "minute": 16}
